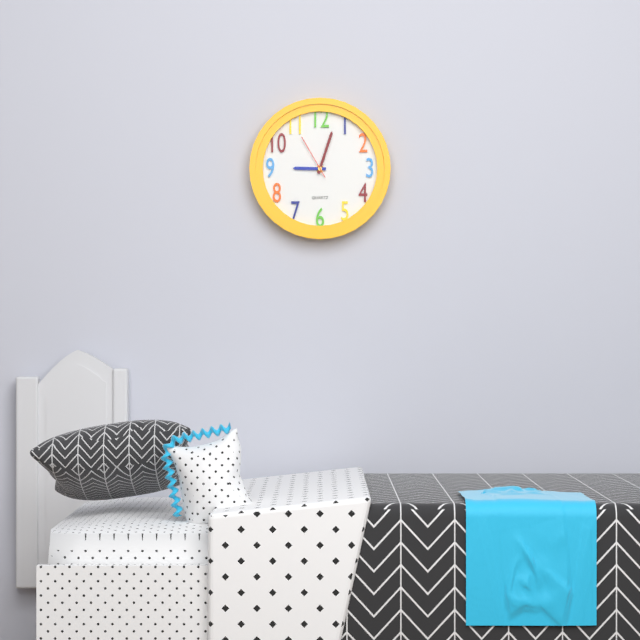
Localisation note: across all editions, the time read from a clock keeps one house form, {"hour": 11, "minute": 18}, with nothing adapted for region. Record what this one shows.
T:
{"hour": 9, "minute": 3}
